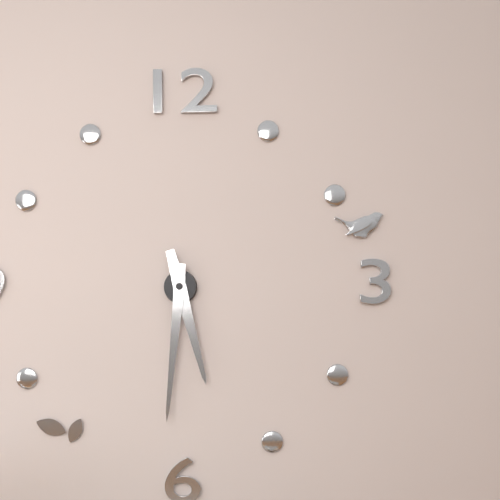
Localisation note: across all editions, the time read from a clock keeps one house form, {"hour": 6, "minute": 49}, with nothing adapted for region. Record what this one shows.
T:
{"hour": 5, "minute": 31}
